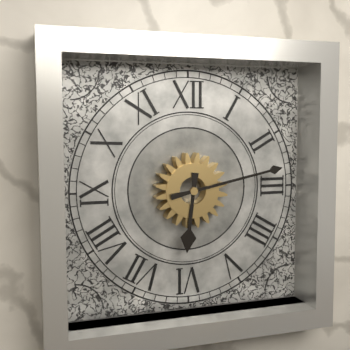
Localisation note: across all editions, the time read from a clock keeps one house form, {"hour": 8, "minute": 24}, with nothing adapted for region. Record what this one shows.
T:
{"hour": 6, "minute": 13}
